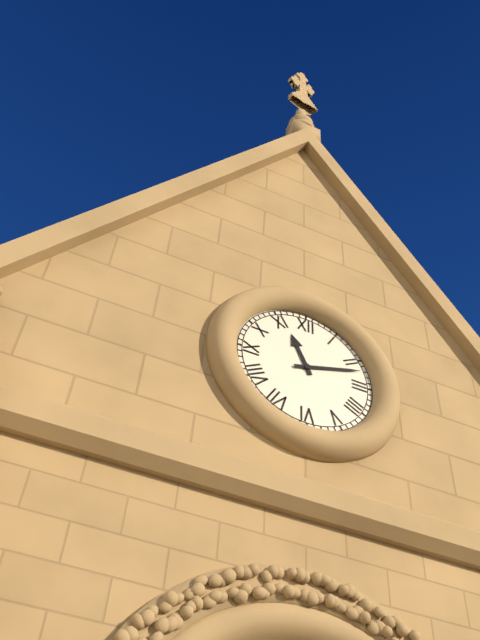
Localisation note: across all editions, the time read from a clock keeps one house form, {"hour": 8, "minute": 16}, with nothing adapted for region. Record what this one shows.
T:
{"hour": 11, "minute": 12}
